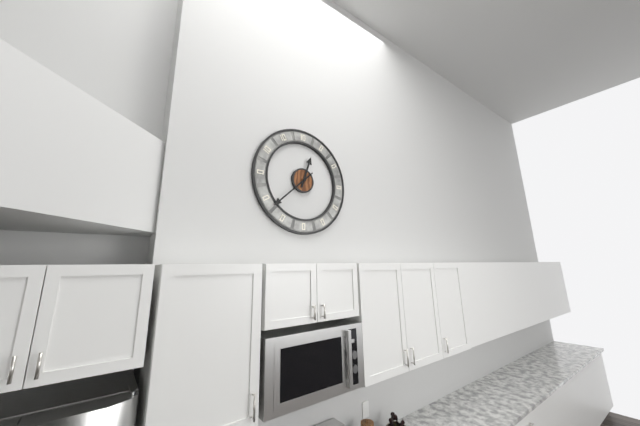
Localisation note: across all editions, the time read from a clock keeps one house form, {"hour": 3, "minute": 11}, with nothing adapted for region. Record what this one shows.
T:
{"hour": 12, "minute": 38}
